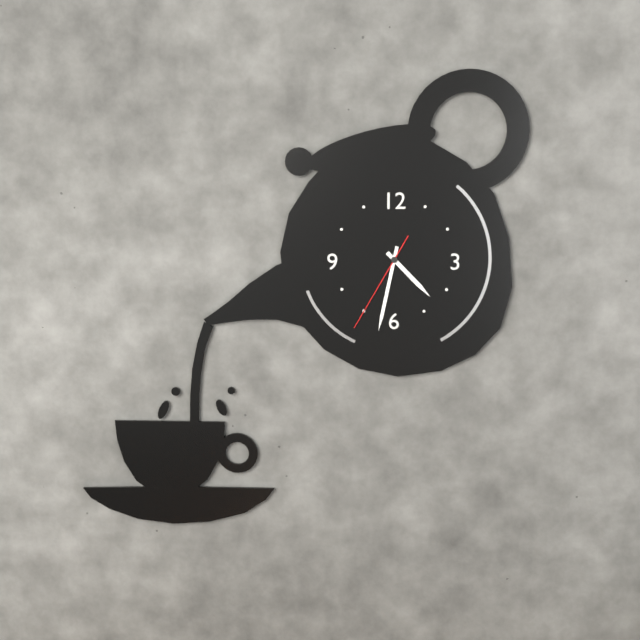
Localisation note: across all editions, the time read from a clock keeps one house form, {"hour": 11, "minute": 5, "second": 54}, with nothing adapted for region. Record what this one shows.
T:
{"hour": 4, "minute": 32, "second": 35}
